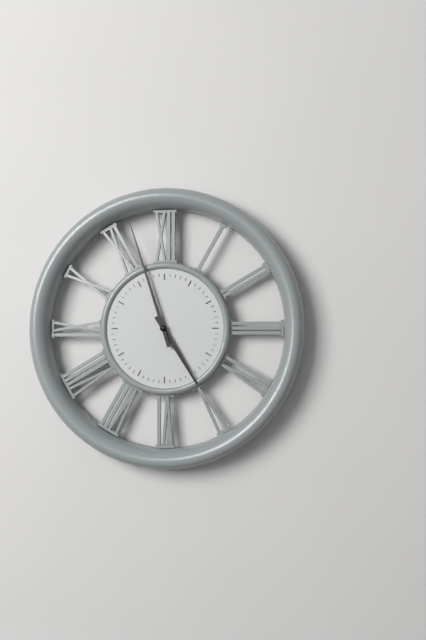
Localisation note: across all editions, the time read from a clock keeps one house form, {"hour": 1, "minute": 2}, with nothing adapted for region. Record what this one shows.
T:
{"hour": 4, "minute": 57}
